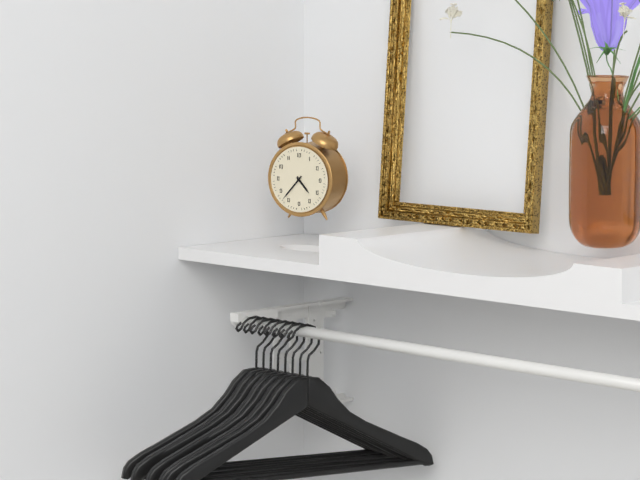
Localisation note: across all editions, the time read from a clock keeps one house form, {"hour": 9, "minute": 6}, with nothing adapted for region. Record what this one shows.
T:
{"hour": 4, "minute": 37}
